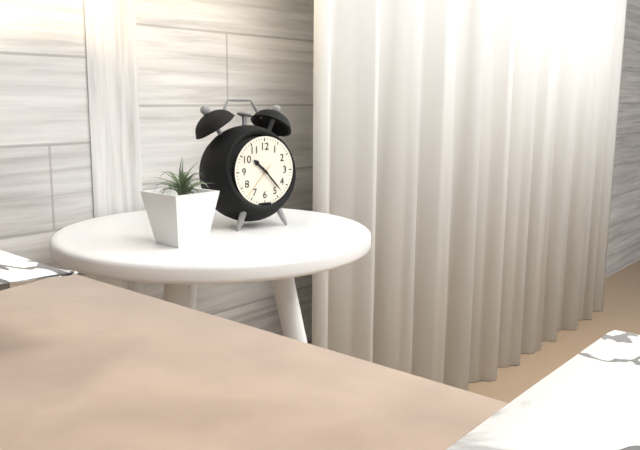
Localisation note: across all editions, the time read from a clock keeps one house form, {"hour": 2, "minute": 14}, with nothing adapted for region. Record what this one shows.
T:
{"hour": 10, "minute": 23}
